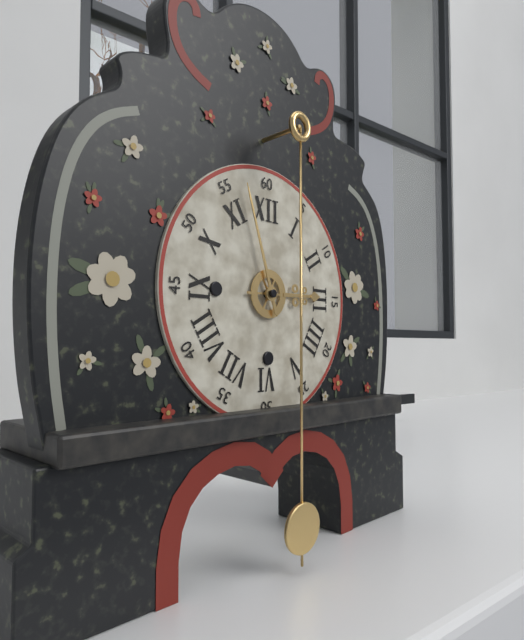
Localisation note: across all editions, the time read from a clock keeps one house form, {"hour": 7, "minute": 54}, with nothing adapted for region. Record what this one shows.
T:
{"hour": 2, "minute": 57}
